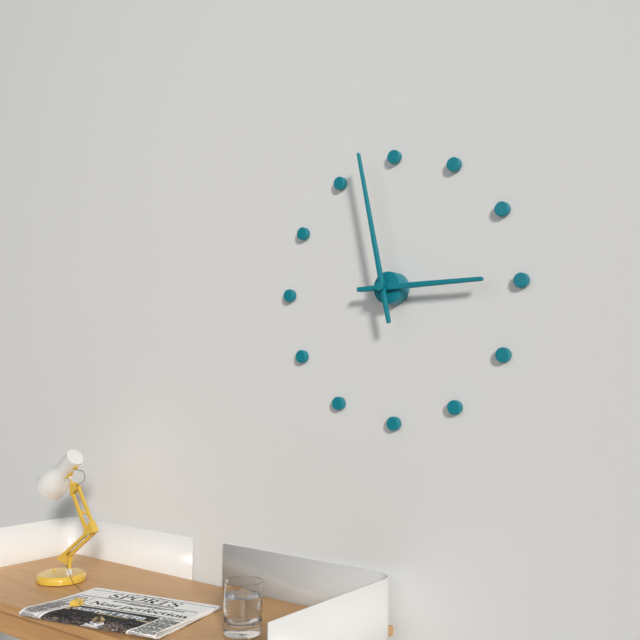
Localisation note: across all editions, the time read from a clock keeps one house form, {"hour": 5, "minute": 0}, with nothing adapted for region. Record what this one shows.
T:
{"hour": 2, "minute": 58}
